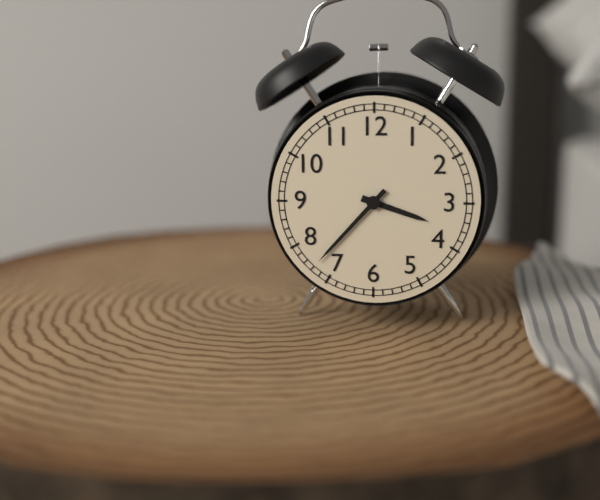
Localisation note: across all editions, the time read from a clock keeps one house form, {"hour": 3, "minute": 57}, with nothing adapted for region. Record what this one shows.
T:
{"hour": 3, "minute": 37}
